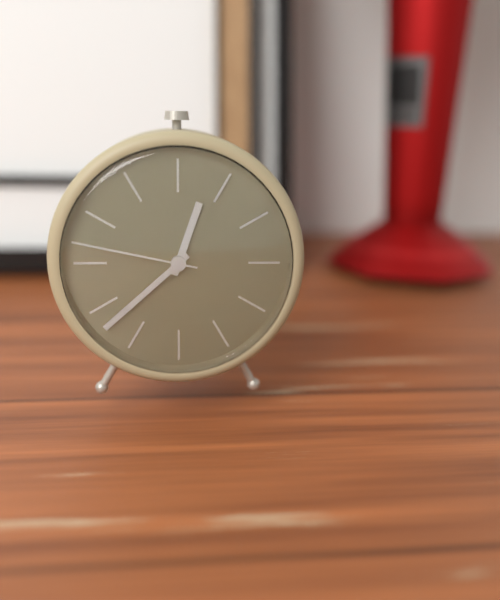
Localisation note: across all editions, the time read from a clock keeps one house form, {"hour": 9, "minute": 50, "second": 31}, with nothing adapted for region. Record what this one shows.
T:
{"hour": 12, "minute": 38, "second": 47}
